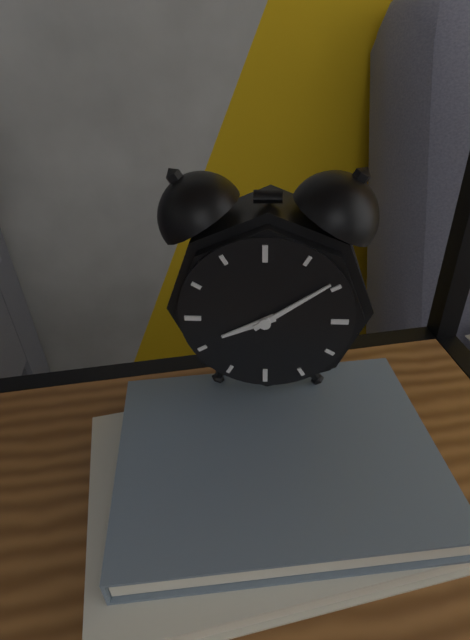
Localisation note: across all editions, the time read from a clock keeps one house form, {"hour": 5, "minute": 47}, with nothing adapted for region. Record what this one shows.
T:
{"hour": 8, "minute": 9}
